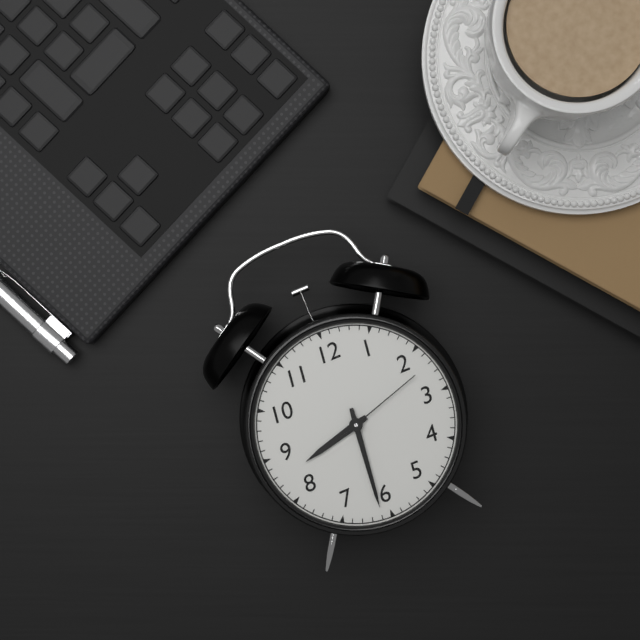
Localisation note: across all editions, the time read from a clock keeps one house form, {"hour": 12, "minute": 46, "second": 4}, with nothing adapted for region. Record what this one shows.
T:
{"hour": 8, "minute": 31, "second": 12}
